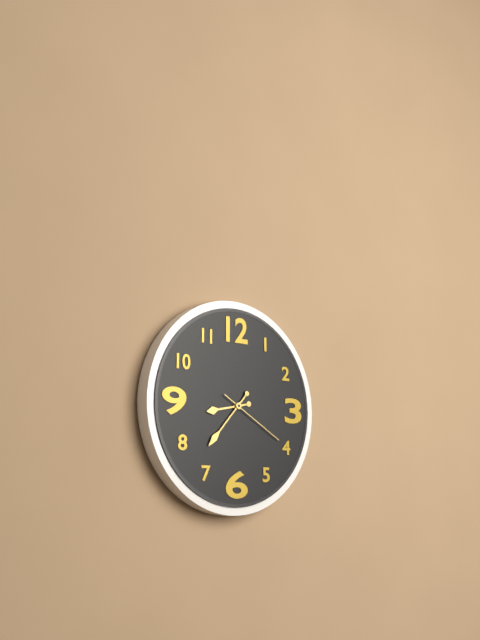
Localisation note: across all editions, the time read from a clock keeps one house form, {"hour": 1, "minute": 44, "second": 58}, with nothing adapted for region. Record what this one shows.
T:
{"hour": 8, "minute": 37, "second": 20}
